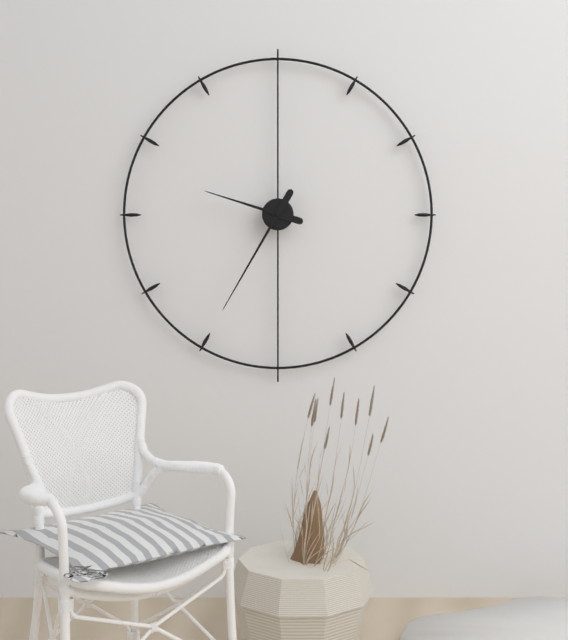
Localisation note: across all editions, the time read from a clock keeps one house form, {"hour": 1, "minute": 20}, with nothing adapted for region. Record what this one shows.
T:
{"hour": 9, "minute": 35}
